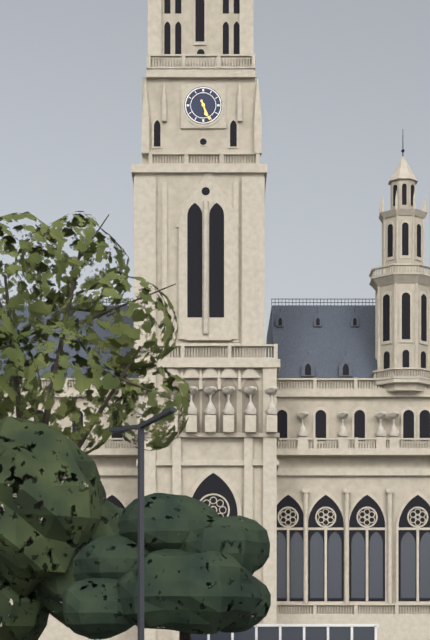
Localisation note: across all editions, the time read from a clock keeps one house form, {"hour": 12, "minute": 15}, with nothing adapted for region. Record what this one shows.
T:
{"hour": 5, "minute": 26}
